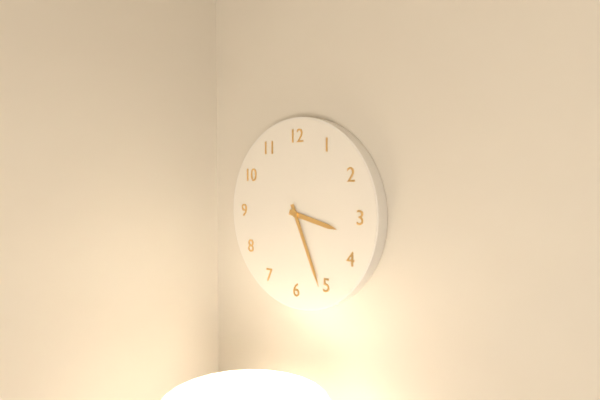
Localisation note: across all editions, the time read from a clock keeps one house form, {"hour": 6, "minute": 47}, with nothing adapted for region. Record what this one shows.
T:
{"hour": 3, "minute": 26}
